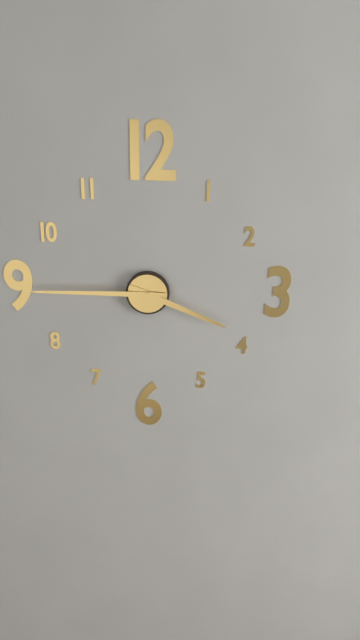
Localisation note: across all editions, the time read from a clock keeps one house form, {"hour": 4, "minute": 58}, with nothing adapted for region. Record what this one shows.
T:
{"hour": 3, "minute": 45}
